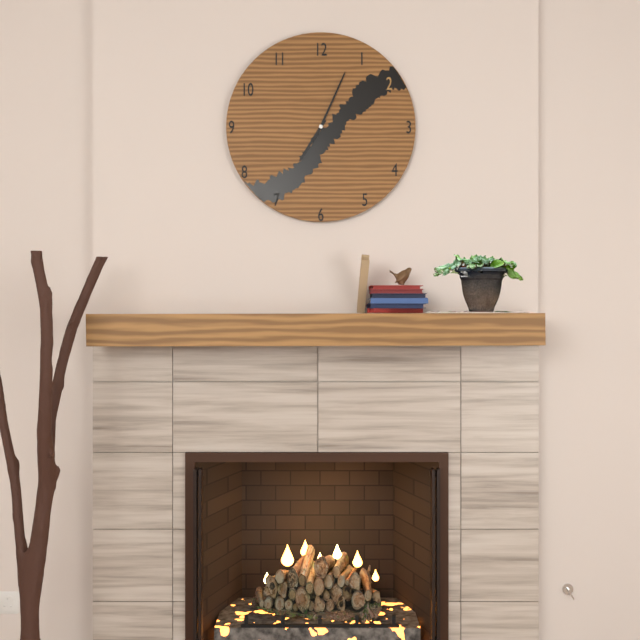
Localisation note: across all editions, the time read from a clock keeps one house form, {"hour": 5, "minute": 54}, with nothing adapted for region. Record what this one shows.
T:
{"hour": 7, "minute": 4}
